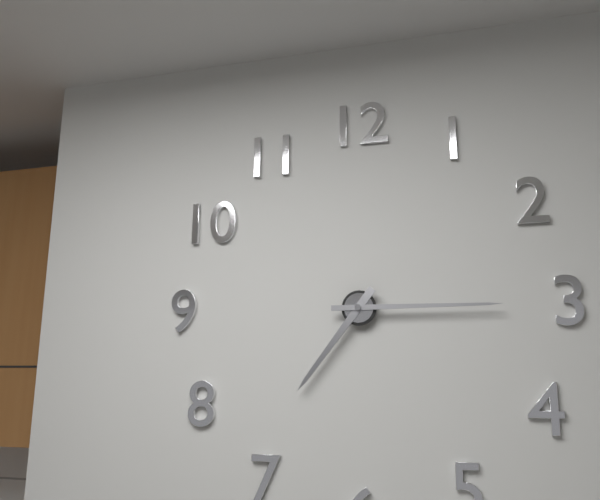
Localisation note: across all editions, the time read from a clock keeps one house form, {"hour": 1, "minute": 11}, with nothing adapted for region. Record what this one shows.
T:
{"hour": 7, "minute": 15}
